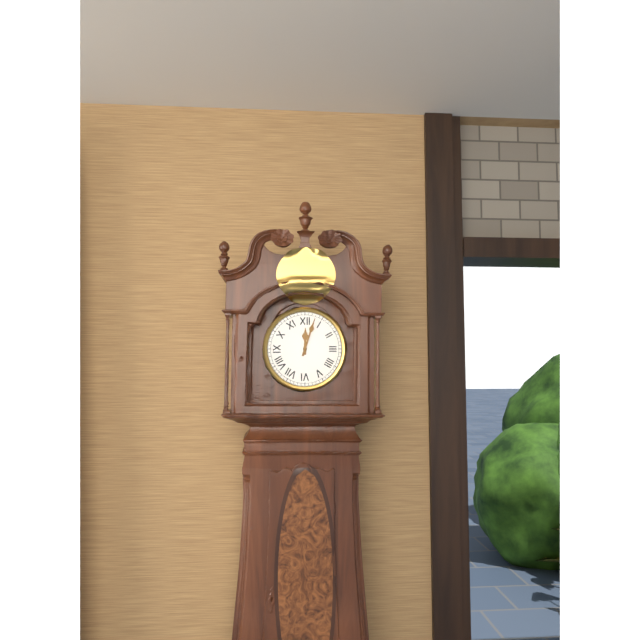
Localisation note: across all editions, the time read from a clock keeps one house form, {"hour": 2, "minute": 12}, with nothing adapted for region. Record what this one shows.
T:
{"hour": 12, "minute": 3}
